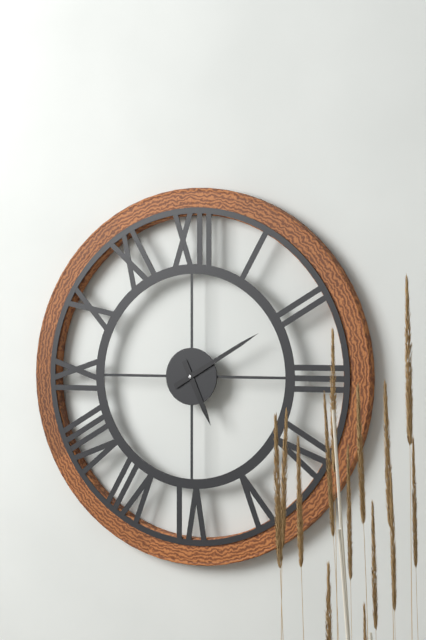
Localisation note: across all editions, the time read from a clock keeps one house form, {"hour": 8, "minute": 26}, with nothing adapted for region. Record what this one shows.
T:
{"hour": 5, "minute": 10}
